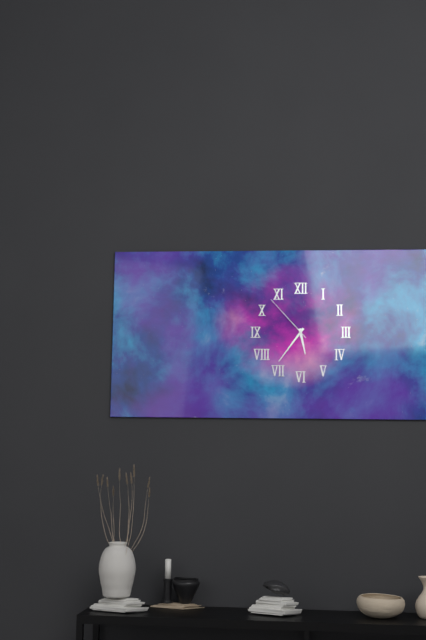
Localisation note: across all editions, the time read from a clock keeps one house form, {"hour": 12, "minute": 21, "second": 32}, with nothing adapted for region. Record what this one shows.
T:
{"hour": 5, "minute": 36, "second": 53}
